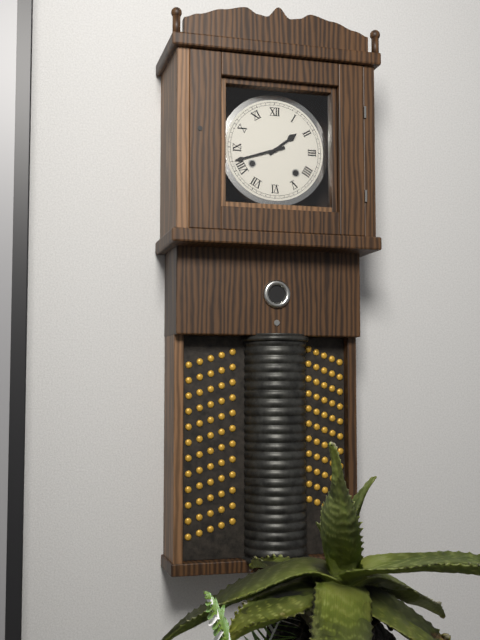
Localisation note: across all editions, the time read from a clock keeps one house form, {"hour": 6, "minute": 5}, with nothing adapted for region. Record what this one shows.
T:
{"hour": 1, "minute": 42}
